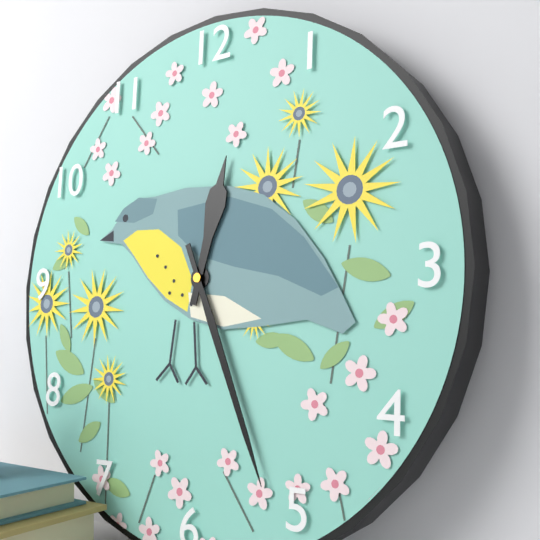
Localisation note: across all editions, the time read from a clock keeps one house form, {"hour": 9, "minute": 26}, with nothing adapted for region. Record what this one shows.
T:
{"hour": 12, "minute": 26}
